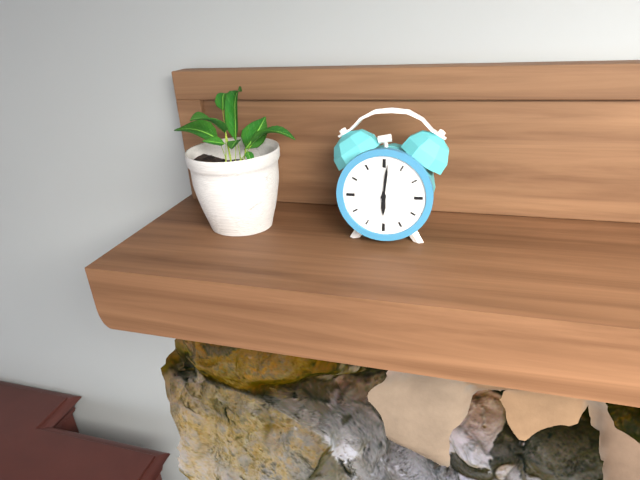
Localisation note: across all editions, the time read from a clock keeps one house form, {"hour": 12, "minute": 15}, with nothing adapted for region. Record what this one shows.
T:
{"hour": 6, "minute": 1}
